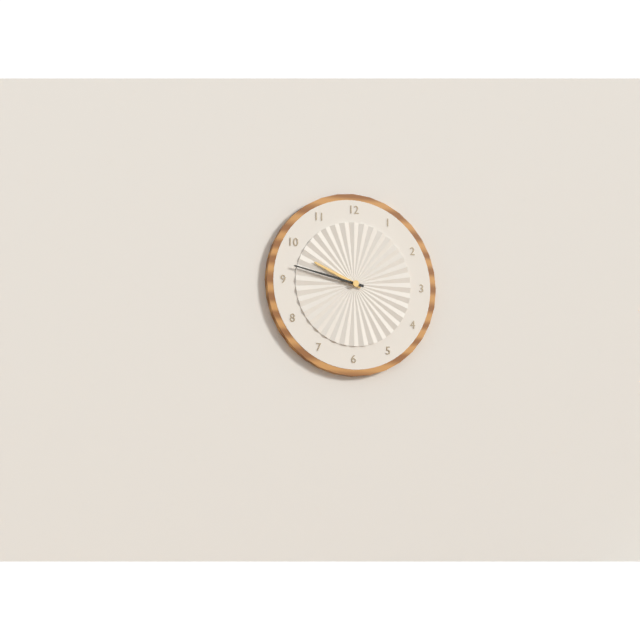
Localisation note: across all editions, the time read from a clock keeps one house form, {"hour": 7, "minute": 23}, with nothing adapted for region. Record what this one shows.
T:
{"hour": 9, "minute": 47}
